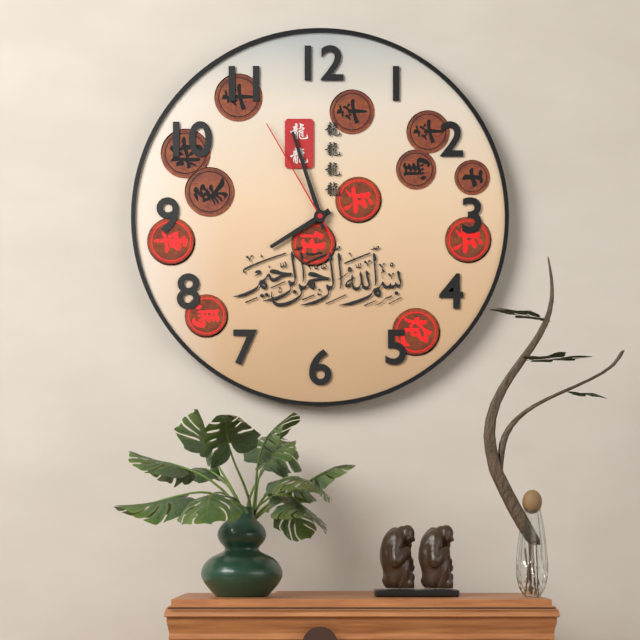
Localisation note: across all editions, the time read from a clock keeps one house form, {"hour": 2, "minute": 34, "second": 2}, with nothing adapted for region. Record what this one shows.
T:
{"hour": 7, "minute": 57, "second": 55}
